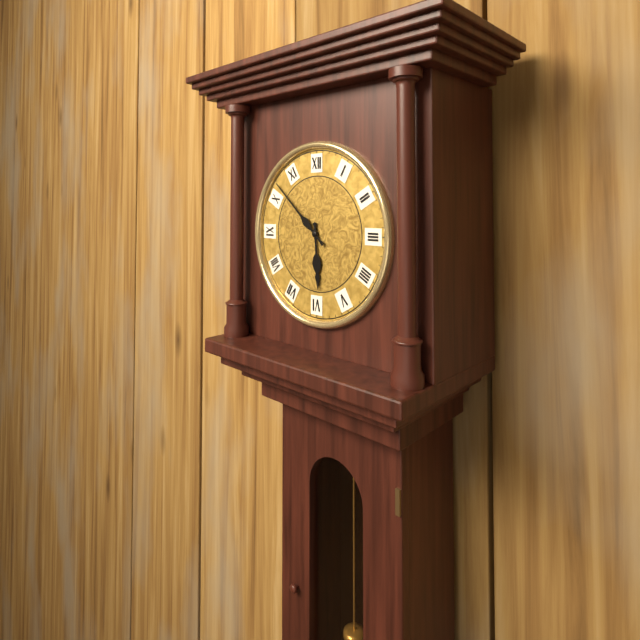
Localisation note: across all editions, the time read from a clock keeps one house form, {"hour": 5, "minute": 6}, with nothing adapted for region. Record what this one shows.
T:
{"hour": 5, "minute": 52}
